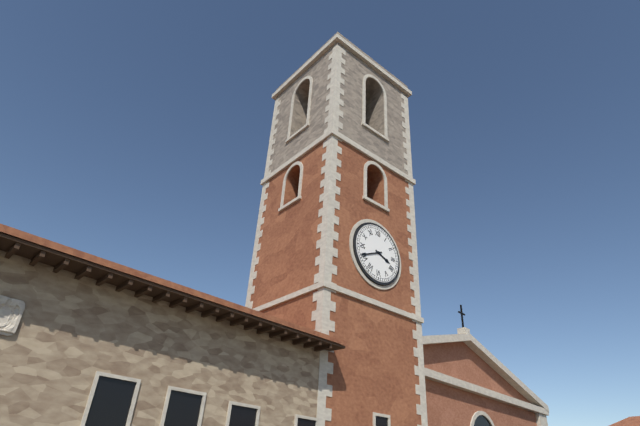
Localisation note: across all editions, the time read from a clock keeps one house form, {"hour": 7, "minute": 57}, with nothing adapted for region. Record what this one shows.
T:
{"hour": 3, "minute": 41}
